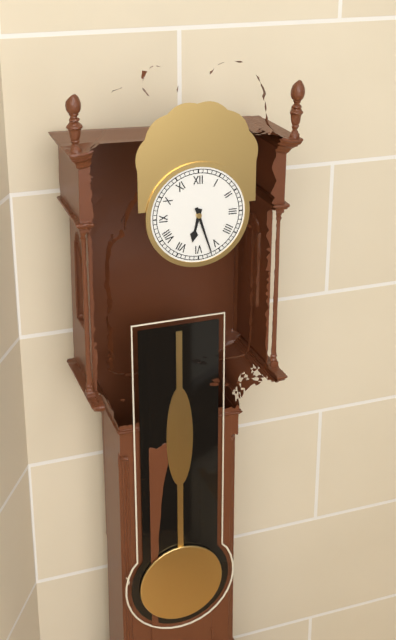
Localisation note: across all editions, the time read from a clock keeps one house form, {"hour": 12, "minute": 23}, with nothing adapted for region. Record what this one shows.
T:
{"hour": 6, "minute": 27}
